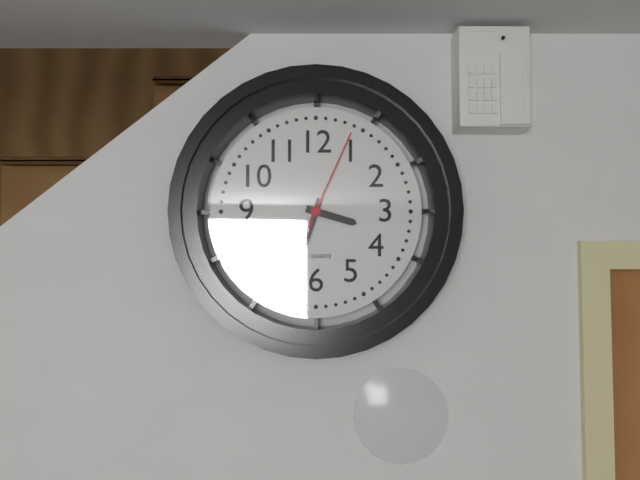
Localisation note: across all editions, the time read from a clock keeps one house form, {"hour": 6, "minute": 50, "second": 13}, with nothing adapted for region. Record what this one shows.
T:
{"hour": 3, "minute": 33, "second": 4}
